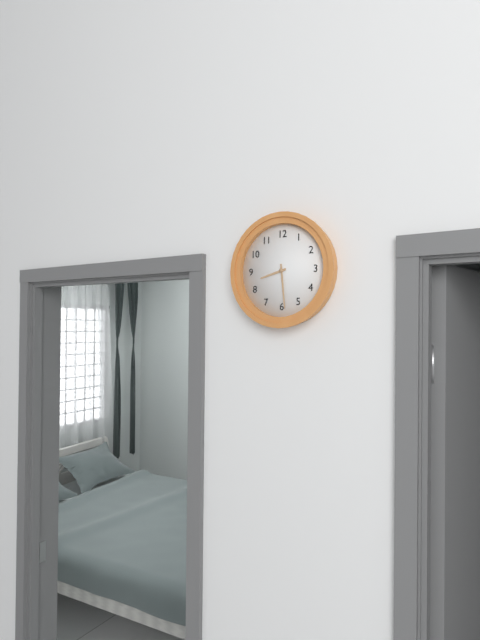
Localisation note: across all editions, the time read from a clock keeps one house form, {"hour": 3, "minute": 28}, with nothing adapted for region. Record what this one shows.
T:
{"hour": 8, "minute": 29}
